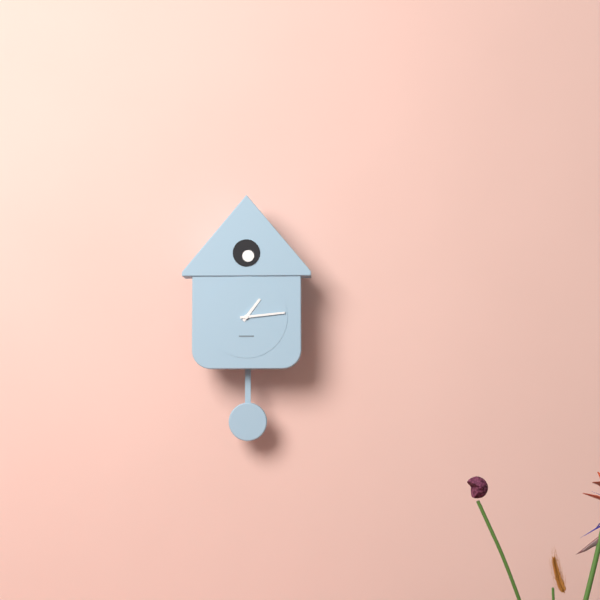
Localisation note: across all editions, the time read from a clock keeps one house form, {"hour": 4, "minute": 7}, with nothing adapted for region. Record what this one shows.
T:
{"hour": 1, "minute": 14}
